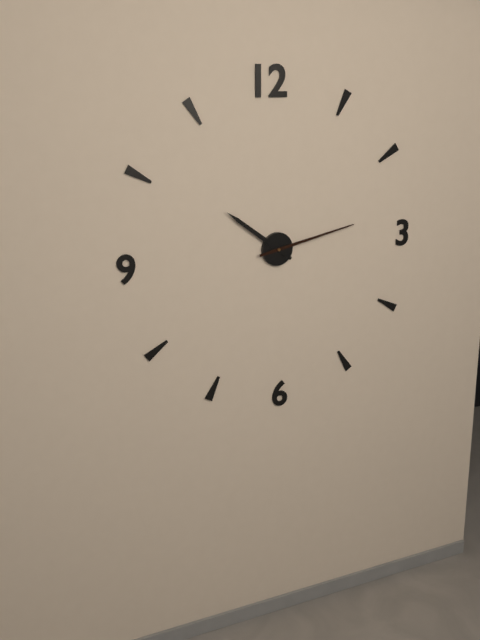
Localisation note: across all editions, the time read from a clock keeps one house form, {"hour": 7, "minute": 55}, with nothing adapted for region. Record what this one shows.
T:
{"hour": 10, "minute": 13}
